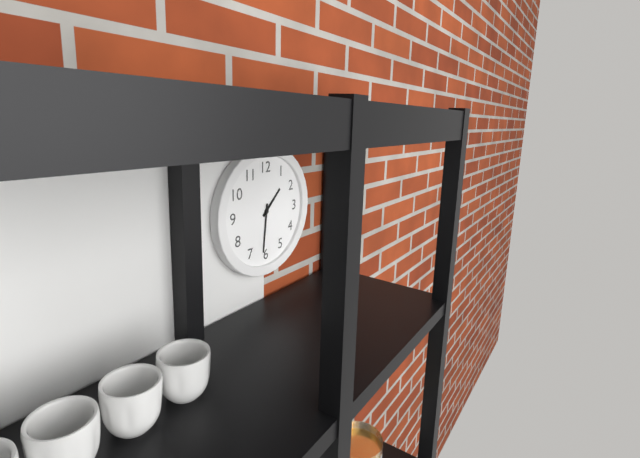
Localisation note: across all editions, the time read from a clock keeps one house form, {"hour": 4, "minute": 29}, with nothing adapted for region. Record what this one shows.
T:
{"hour": 1, "minute": 31}
